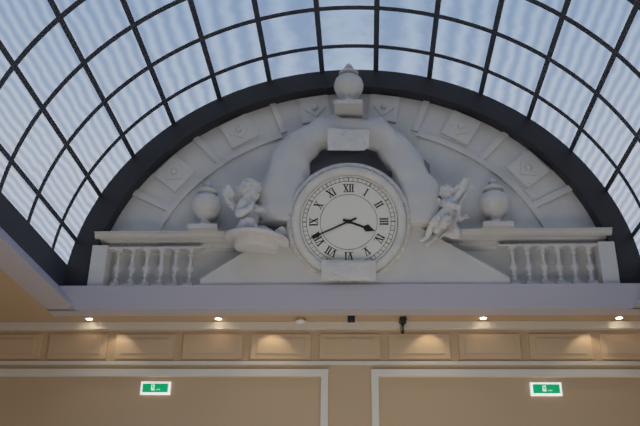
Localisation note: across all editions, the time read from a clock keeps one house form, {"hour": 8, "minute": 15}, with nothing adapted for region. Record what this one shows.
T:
{"hour": 3, "minute": 41}
